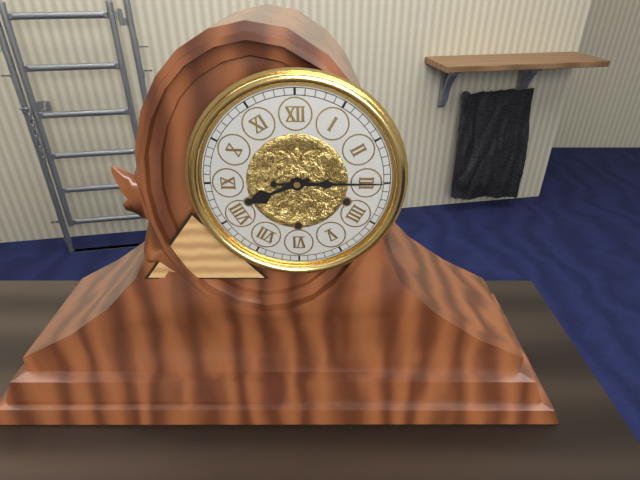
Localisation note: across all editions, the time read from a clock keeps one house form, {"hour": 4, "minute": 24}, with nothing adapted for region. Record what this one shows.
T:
{"hour": 8, "minute": 15}
